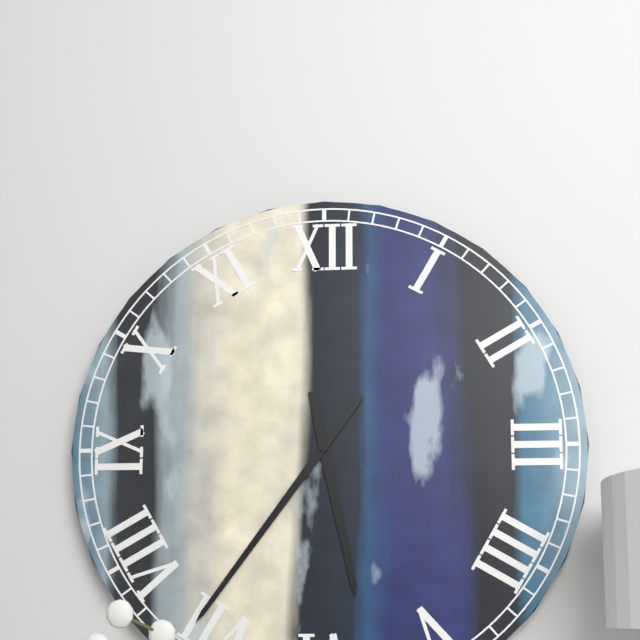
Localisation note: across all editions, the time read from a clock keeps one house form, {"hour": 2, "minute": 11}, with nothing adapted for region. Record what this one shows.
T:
{"hour": 5, "minute": 36}
